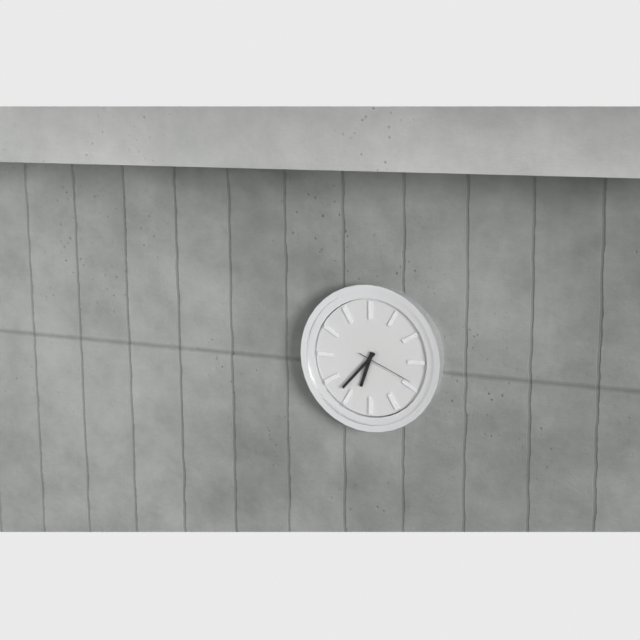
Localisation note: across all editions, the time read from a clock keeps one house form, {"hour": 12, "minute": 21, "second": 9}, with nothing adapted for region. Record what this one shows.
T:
{"hour": 6, "minute": 37, "second": 19}
